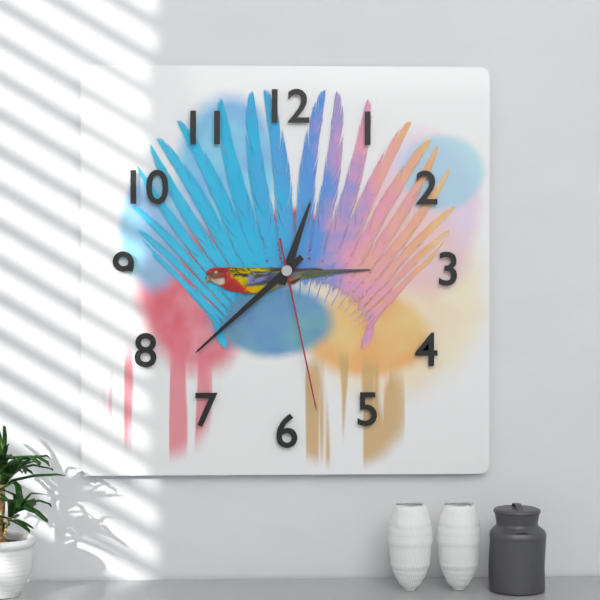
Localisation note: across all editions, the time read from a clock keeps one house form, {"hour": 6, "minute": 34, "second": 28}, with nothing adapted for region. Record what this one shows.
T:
{"hour": 12, "minute": 38, "second": 28}
